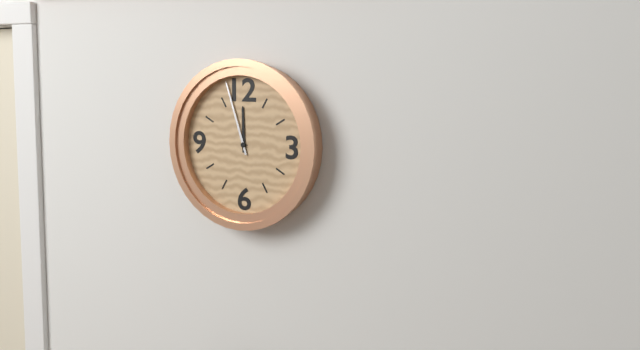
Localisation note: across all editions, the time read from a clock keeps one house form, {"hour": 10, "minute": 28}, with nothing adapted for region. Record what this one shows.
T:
{"hour": 11, "minute": 57}
